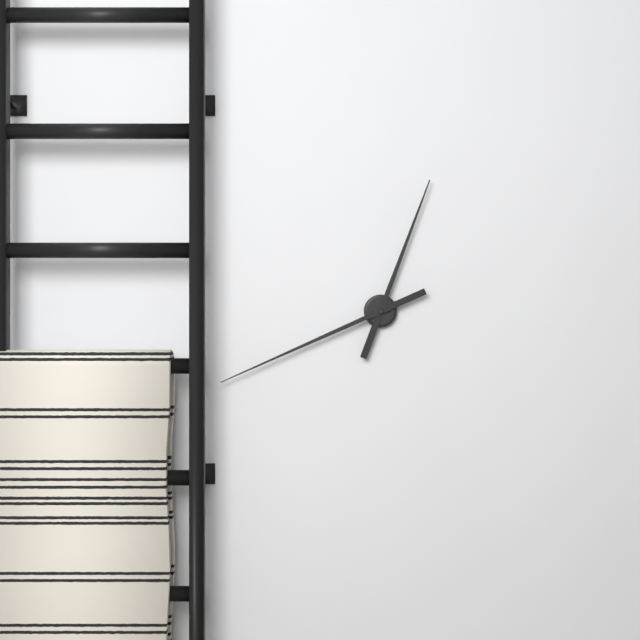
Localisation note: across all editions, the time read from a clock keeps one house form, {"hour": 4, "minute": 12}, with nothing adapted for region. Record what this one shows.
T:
{"hour": 12, "minute": 41}
